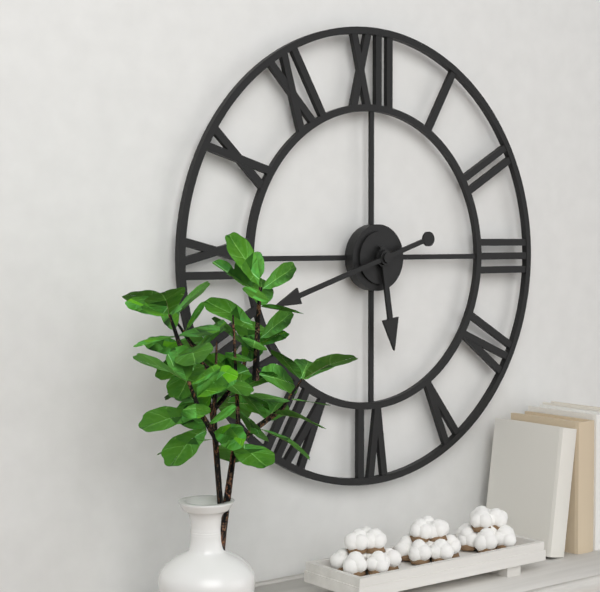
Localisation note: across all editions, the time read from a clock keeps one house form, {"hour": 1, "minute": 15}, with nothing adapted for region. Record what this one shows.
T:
{"hour": 5, "minute": 42}
